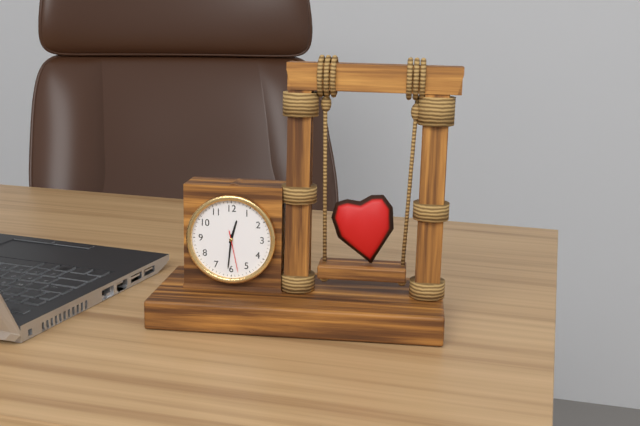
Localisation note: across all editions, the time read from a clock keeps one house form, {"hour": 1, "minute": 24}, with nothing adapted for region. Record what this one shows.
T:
{"hour": 12, "minute": 31}
